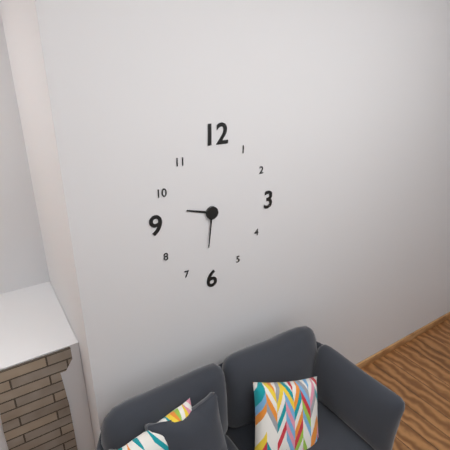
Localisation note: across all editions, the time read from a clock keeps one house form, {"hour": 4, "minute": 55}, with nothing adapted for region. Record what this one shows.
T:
{"hour": 9, "minute": 31}
